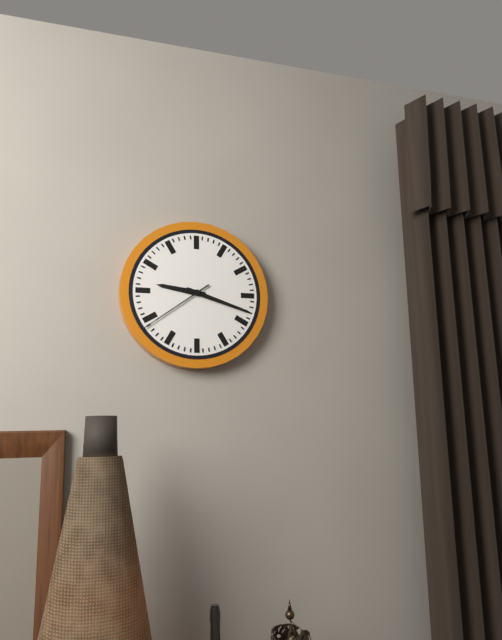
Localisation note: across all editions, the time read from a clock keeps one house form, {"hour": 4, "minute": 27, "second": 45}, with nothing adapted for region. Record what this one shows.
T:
{"hour": 9, "minute": 18, "second": 39}
